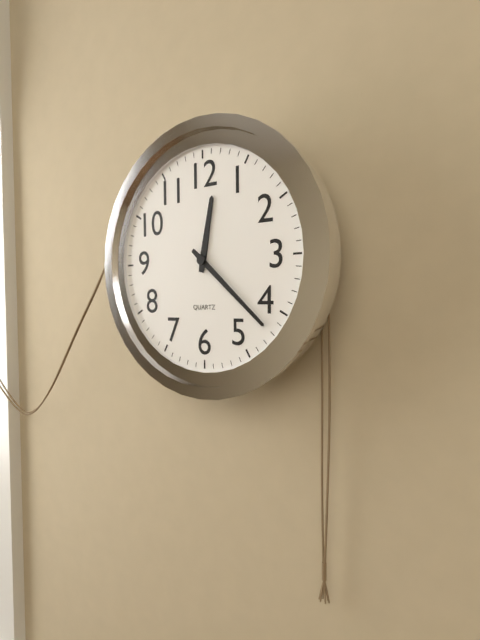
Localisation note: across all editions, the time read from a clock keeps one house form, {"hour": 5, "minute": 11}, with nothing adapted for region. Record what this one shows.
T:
{"hour": 12, "minute": 22}
